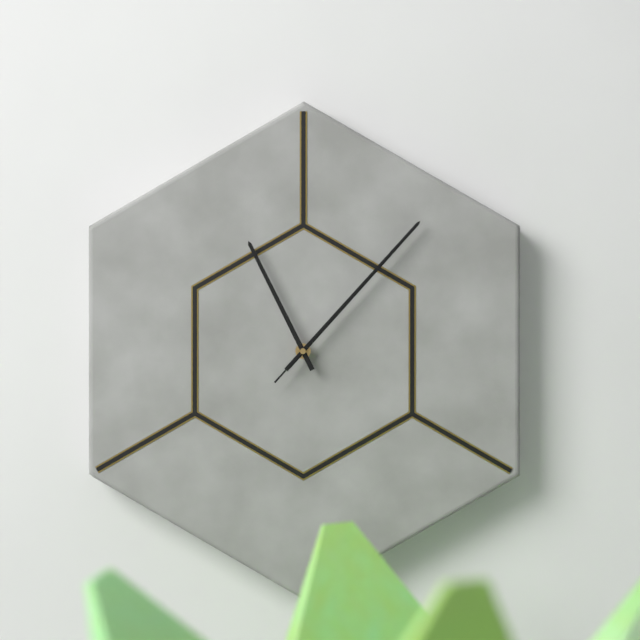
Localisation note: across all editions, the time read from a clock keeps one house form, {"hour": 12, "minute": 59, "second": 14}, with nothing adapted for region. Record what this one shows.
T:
{"hour": 11, "minute": 7, "second": 7}
